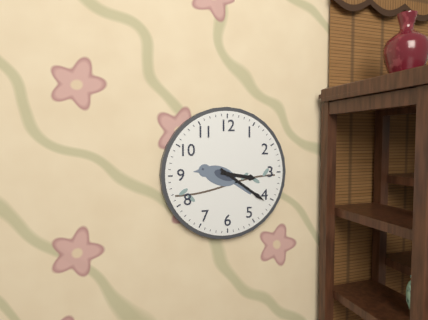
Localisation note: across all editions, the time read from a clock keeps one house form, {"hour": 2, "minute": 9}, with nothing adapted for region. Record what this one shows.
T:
{"hour": 3, "minute": 21}
